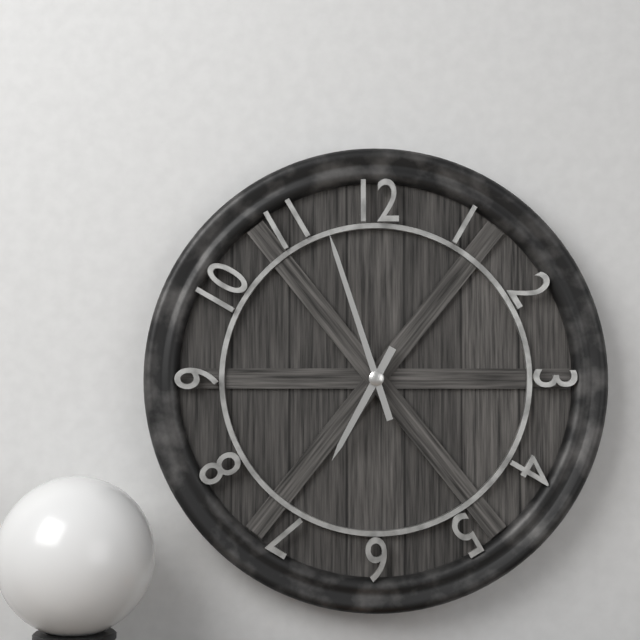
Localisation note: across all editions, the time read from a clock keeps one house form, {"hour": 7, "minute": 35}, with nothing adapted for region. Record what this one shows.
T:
{"hour": 6, "minute": 57}
